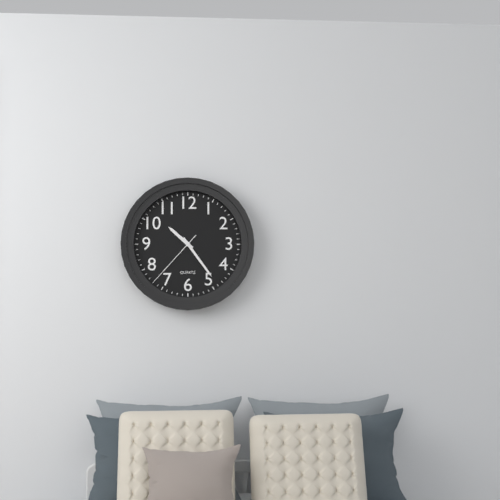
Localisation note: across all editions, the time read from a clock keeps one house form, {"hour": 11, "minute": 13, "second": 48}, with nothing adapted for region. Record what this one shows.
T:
{"hour": 10, "minute": 24, "second": 37}
